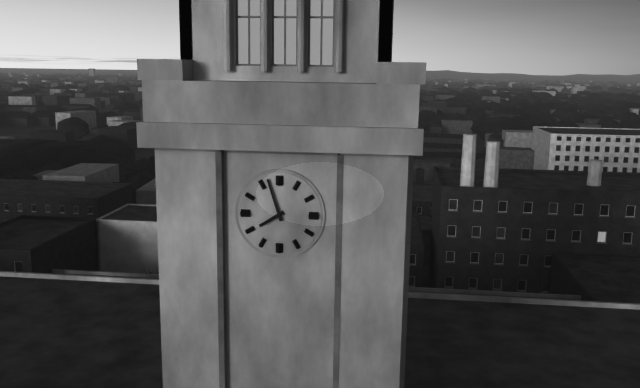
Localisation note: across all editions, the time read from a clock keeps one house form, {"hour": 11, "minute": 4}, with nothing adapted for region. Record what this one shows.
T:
{"hour": 7, "minute": 57}
